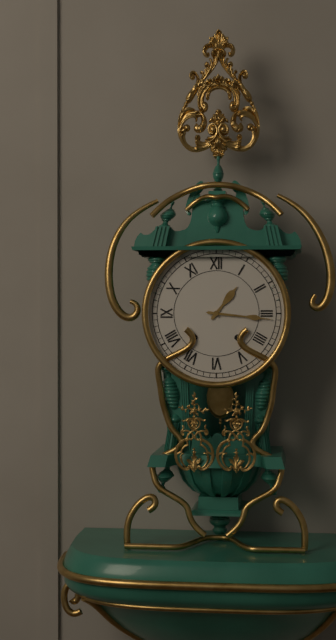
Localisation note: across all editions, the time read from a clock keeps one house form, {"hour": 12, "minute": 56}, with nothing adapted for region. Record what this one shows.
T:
{"hour": 1, "minute": 16}
